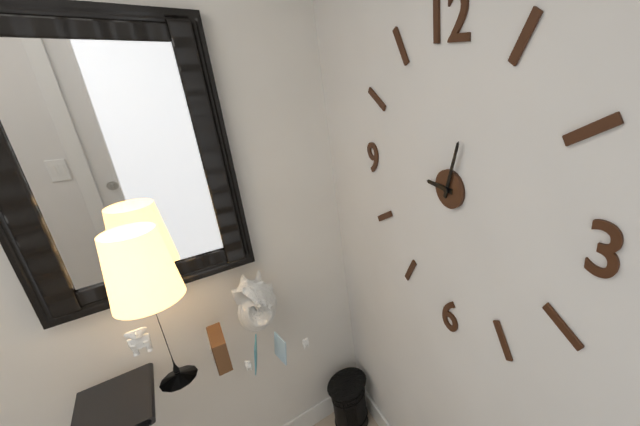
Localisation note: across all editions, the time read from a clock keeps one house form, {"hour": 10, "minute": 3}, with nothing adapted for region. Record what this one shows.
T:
{"hour": 9, "minute": 3}
